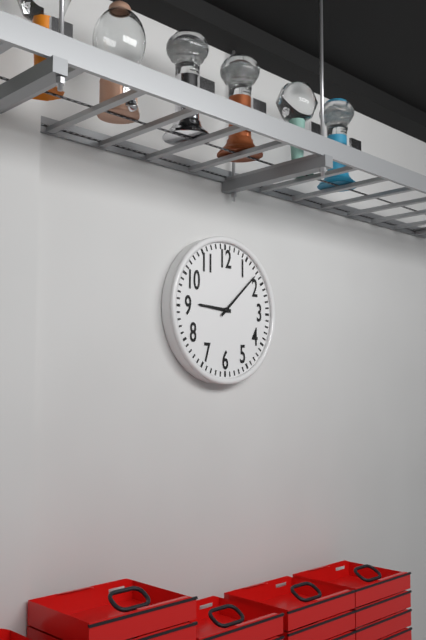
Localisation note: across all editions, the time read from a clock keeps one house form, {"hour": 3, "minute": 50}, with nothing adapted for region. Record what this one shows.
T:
{"hour": 9, "minute": 8}
